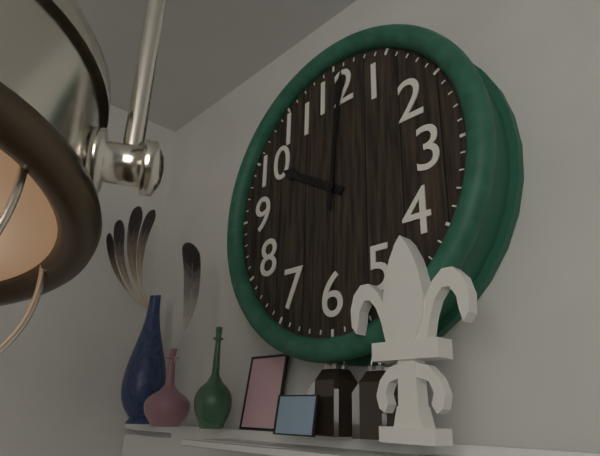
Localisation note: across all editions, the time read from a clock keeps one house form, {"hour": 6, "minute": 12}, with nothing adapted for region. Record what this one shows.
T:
{"hour": 10, "minute": 1}
